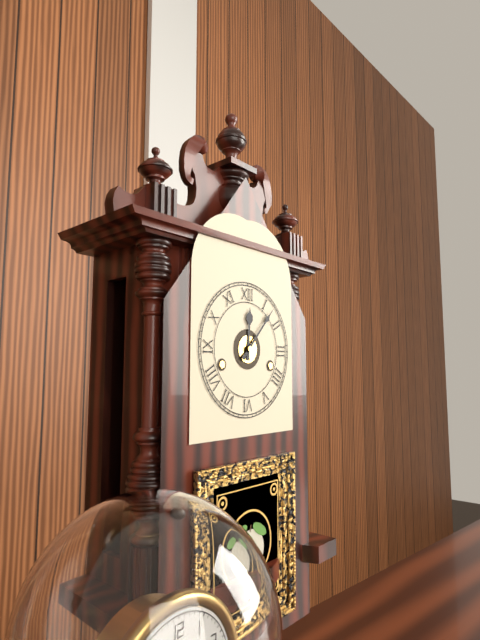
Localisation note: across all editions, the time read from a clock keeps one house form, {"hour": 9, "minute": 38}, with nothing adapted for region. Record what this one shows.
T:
{"hour": 12, "minute": 7}
